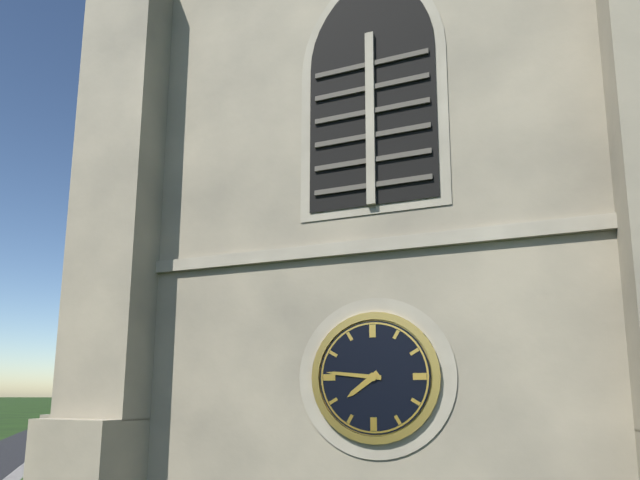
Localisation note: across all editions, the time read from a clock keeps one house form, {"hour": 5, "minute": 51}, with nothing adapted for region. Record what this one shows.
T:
{"hour": 7, "minute": 46}
